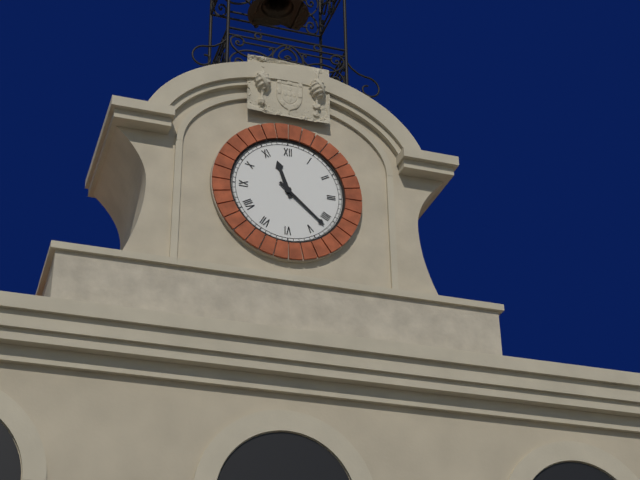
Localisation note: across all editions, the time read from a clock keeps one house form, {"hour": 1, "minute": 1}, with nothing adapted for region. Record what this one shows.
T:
{"hour": 11, "minute": 22}
